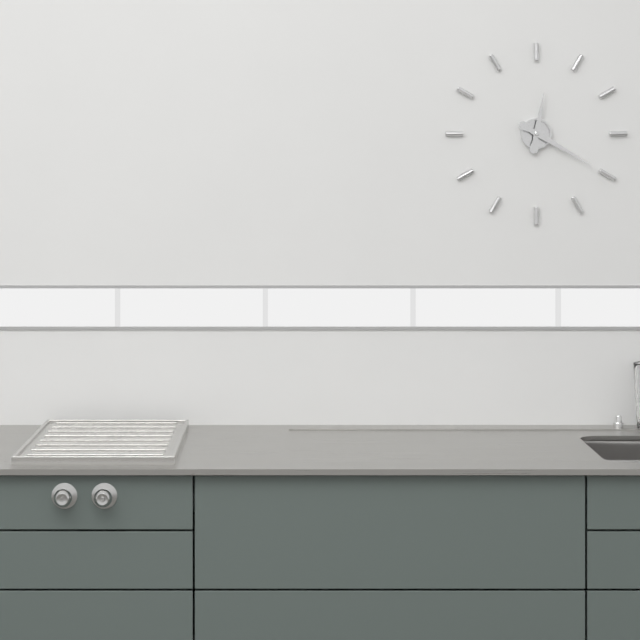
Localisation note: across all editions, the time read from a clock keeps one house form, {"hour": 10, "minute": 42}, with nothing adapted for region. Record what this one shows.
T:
{"hour": 12, "minute": 20}
